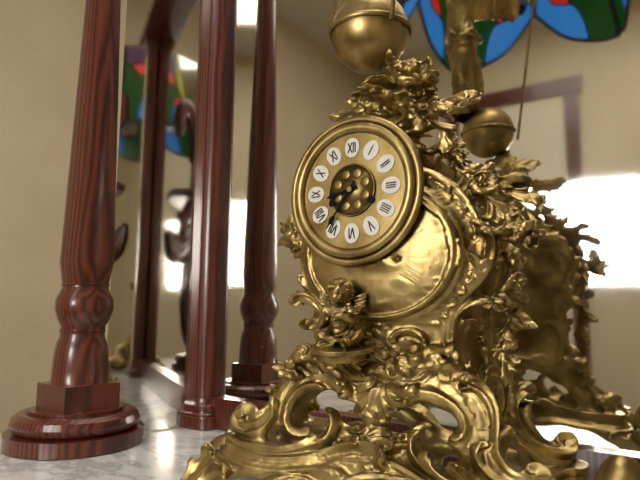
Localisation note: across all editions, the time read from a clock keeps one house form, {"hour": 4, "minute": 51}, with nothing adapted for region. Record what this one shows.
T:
{"hour": 8, "minute": 36}
